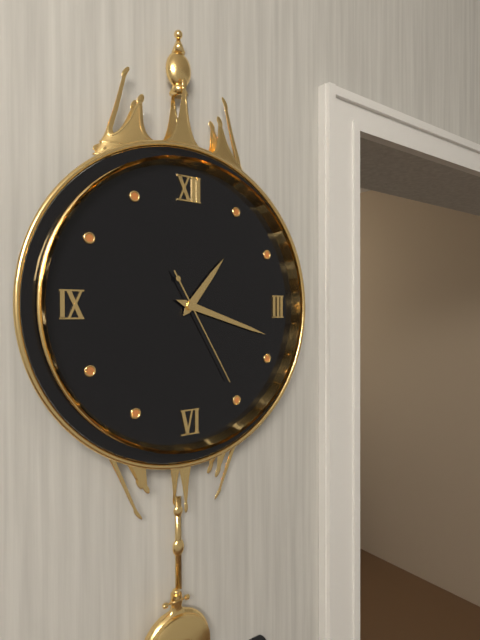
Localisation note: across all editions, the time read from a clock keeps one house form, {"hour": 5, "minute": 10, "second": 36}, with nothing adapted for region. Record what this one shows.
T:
{"hour": 1, "minute": 18, "second": 25}
